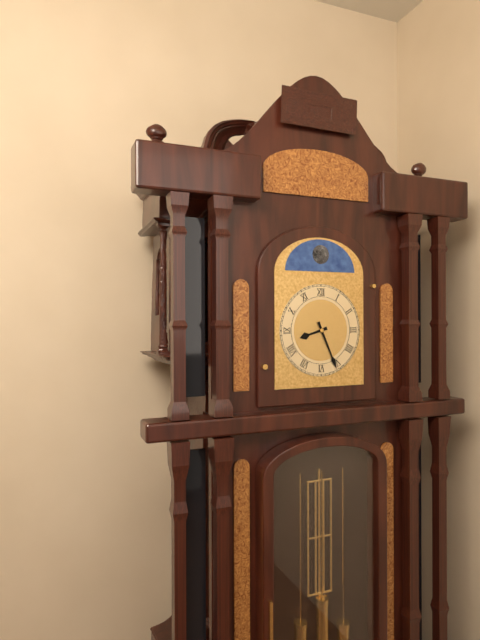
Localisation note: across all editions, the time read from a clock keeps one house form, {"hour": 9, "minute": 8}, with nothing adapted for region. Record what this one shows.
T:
{"hour": 8, "minute": 26}
